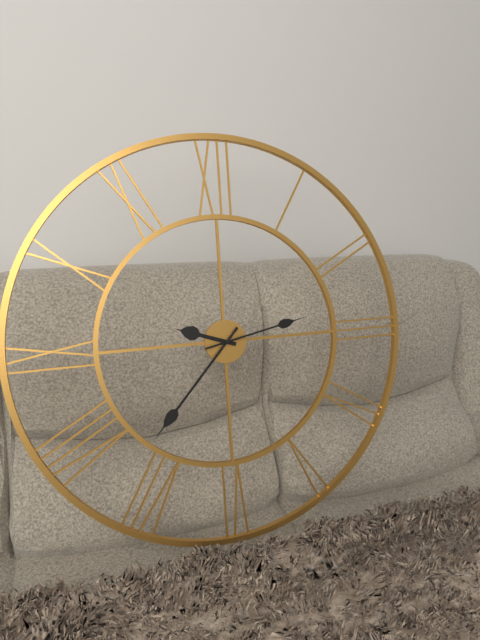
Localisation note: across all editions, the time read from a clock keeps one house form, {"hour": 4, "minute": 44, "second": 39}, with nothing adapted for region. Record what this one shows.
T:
{"hour": 9, "minute": 37, "second": 13}
